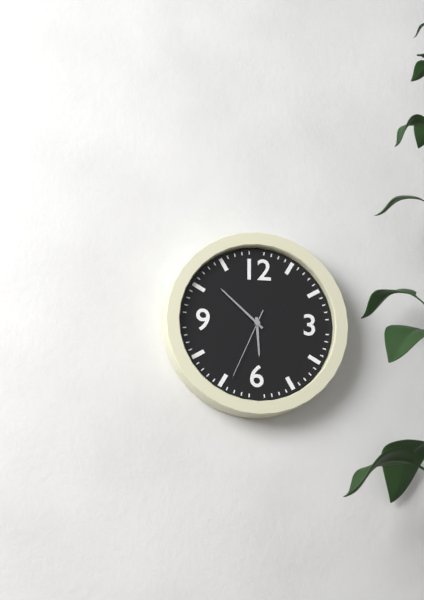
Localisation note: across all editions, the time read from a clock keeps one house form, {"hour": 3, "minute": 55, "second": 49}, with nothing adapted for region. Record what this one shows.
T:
{"hour": 5, "minute": 52, "second": 34}
